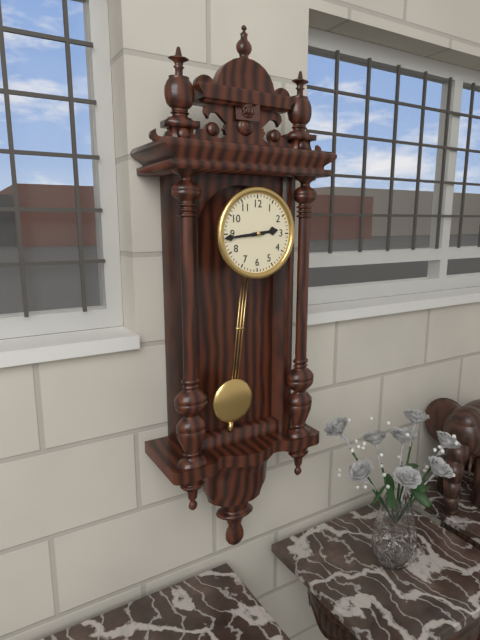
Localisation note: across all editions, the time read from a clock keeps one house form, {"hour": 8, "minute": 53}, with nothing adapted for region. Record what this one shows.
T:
{"hour": 2, "minute": 44}
